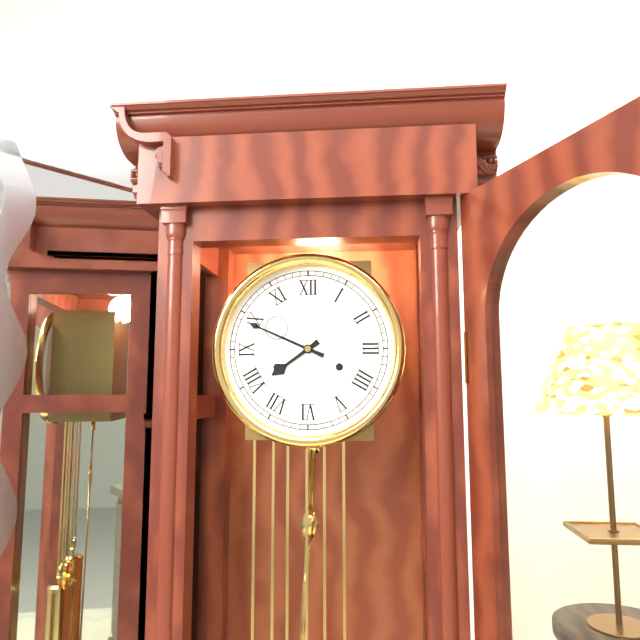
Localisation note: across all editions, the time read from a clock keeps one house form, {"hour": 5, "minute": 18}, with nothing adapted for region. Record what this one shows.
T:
{"hour": 7, "minute": 49}
